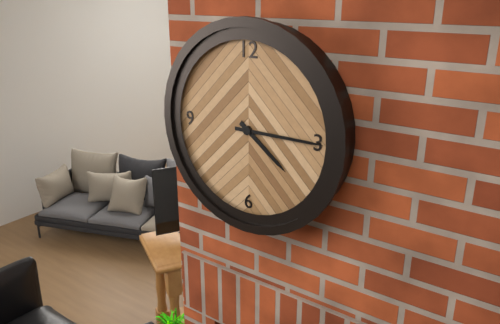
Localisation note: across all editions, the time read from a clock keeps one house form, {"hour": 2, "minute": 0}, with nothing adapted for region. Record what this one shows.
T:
{"hour": 4, "minute": 15}
